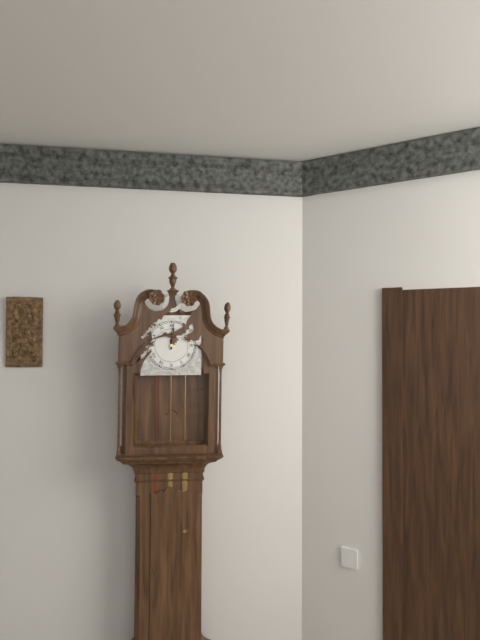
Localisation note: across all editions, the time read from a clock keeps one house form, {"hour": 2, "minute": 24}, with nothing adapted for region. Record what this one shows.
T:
{"hour": 12, "minute": 1}
